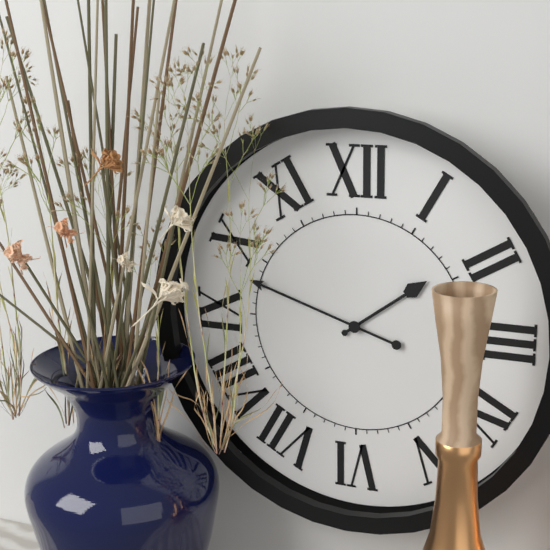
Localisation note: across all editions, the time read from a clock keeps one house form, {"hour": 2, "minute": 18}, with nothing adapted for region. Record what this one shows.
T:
{"hour": 1, "minute": 48}
